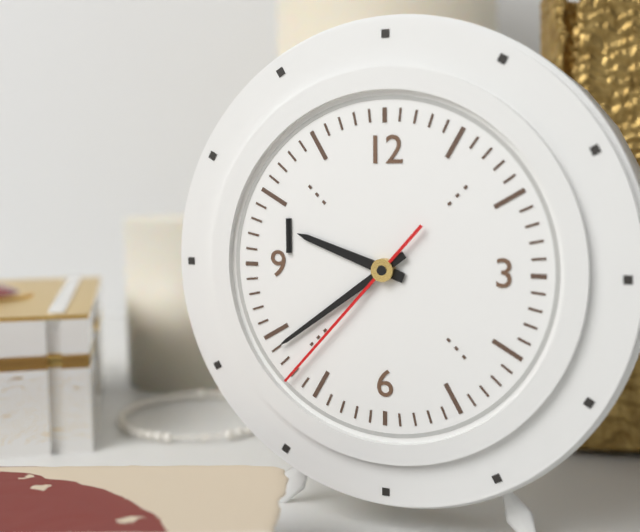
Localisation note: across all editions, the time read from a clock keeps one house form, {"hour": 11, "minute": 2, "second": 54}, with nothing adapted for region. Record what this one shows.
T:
{"hour": 9, "minute": 39, "second": 37}
